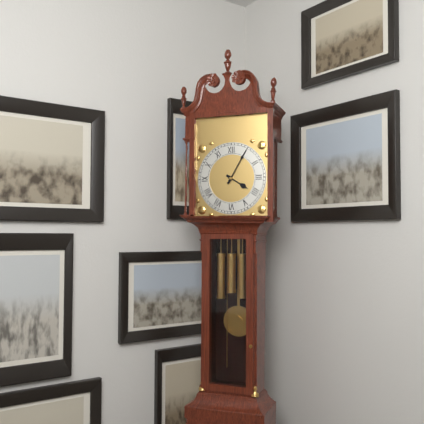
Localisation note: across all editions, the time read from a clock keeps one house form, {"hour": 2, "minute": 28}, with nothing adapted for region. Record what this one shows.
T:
{"hour": 4, "minute": 5}
